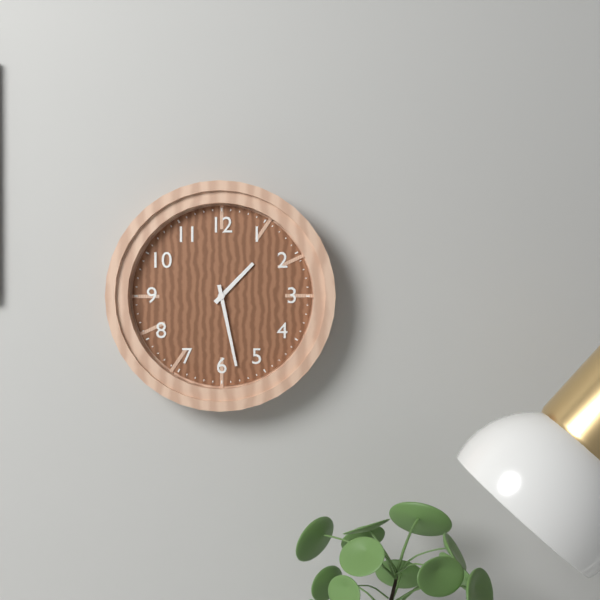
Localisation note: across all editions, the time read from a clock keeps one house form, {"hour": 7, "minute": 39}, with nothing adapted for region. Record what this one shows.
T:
{"hour": 1, "minute": 28}
